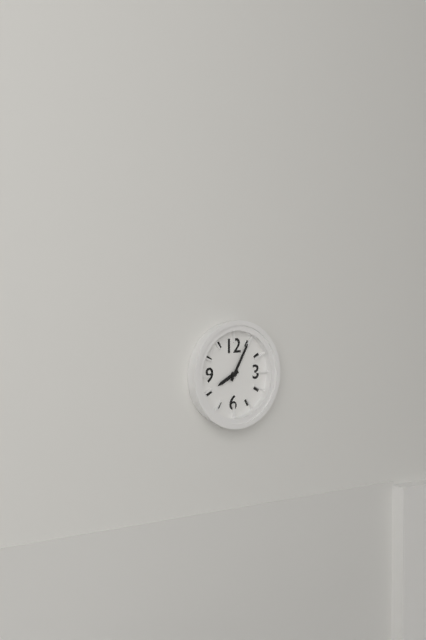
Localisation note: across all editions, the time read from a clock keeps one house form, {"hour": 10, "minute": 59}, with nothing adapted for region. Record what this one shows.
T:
{"hour": 8, "minute": 5}
